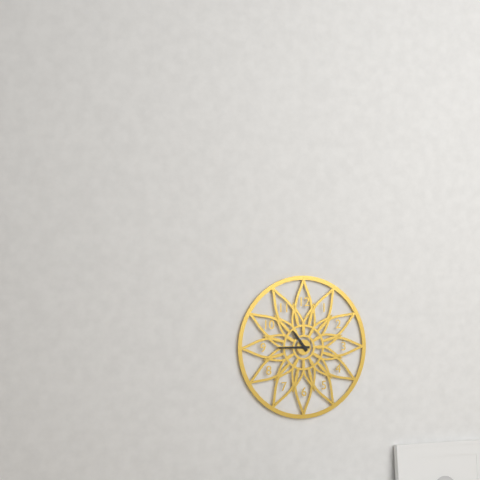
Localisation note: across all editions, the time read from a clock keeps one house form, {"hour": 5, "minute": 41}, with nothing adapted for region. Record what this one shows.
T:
{"hour": 10, "minute": 45}
